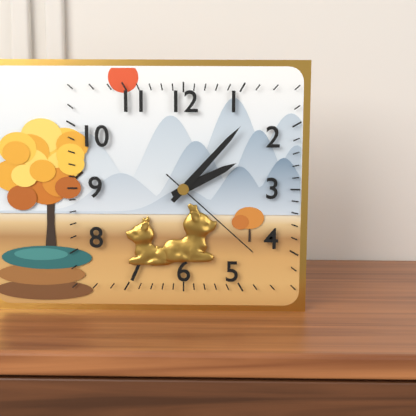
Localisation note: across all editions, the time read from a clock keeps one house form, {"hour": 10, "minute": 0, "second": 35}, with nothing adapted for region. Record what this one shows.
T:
{"hour": 2, "minute": 7, "second": 22}
